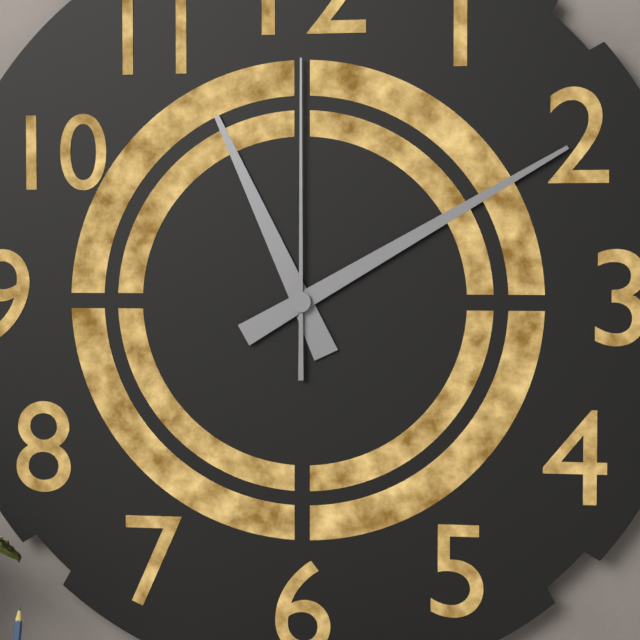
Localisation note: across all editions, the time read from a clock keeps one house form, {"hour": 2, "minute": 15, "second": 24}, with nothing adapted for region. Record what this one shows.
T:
{"hour": 11, "minute": 10, "second": 0}
